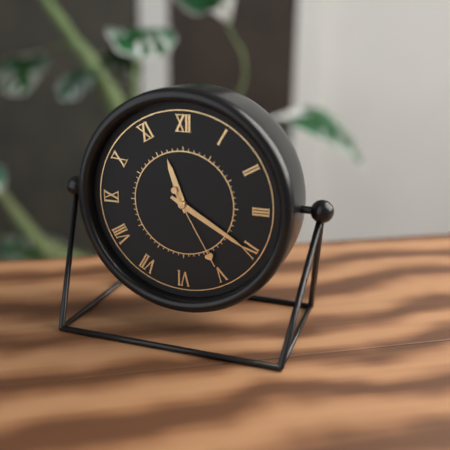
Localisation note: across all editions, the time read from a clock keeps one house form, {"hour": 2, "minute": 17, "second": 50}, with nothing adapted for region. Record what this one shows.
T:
{"hour": 11, "minute": 20, "second": 25}
